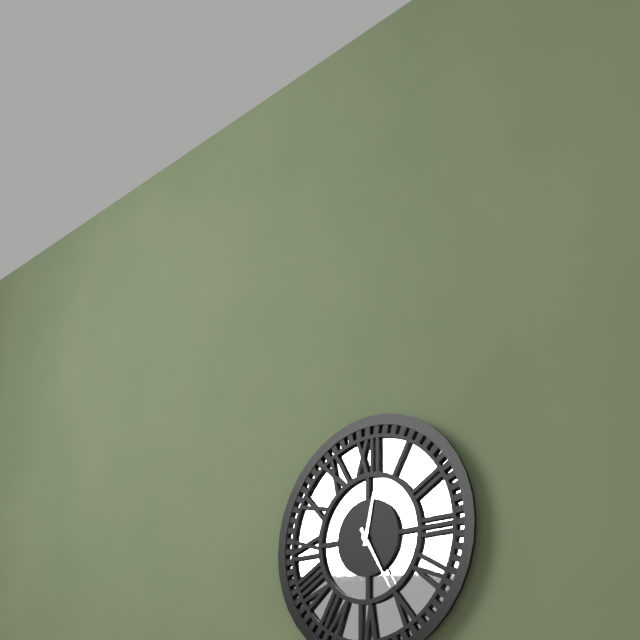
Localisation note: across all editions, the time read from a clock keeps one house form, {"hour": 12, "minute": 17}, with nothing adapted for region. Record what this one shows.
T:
{"hour": 12, "minute": 25}
